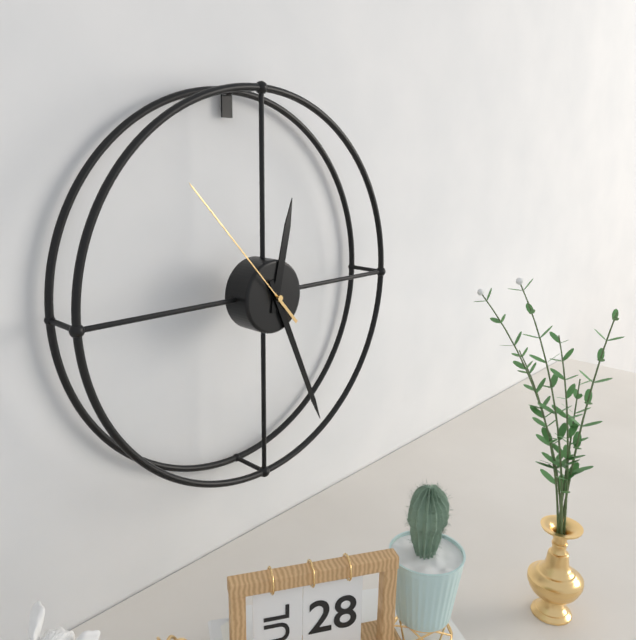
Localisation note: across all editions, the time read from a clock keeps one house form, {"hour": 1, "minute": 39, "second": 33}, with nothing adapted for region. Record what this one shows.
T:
{"hour": 12, "minute": 26, "second": 53}
